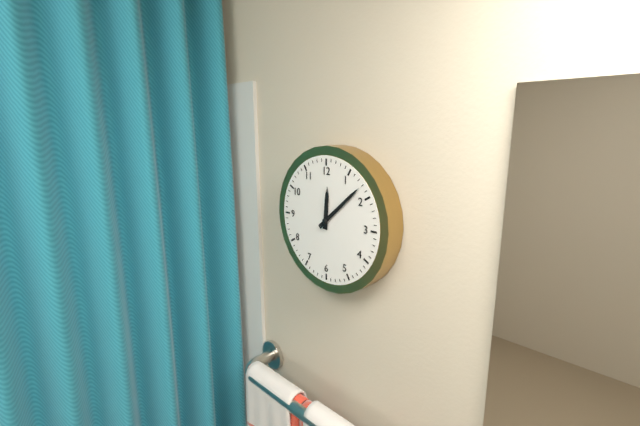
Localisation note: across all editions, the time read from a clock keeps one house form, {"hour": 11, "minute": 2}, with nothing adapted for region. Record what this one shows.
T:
{"hour": 12, "minute": 8}
